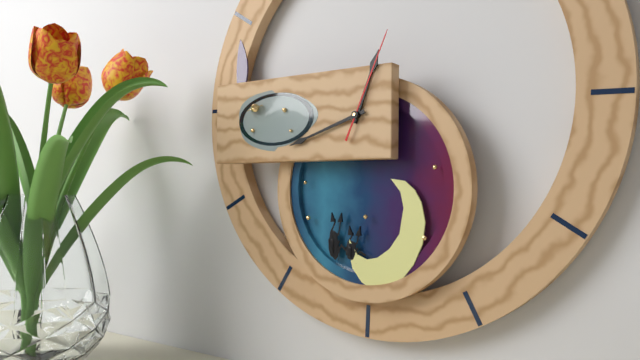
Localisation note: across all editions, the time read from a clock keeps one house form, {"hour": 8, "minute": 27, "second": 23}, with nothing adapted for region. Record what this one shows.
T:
{"hour": 12, "minute": 42, "second": 4}
